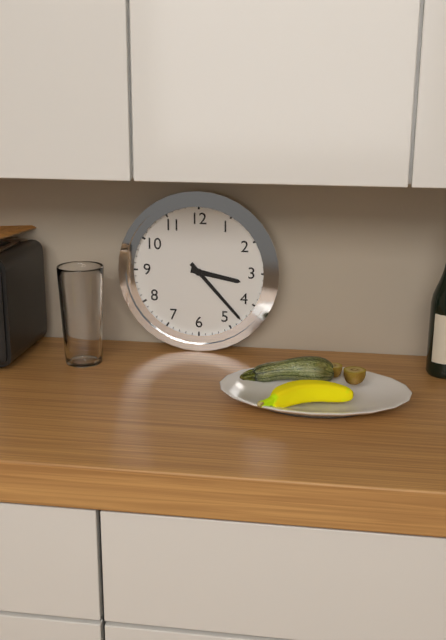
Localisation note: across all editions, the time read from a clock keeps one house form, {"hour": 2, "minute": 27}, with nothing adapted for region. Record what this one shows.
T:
{"hour": 3, "minute": 23}
